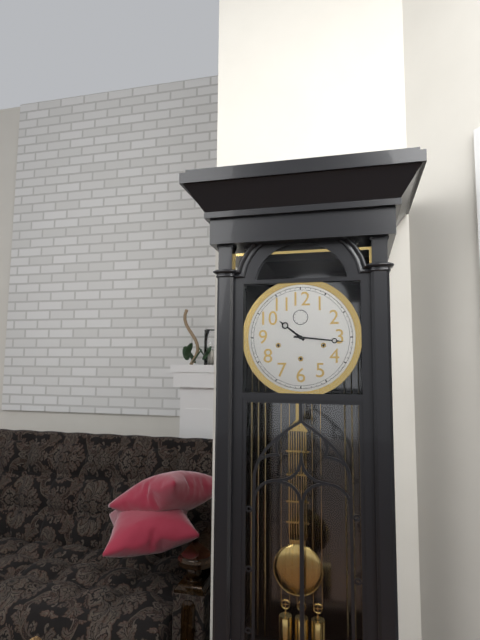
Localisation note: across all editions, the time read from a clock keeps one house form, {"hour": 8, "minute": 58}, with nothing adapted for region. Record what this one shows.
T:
{"hour": 10, "minute": 16}
